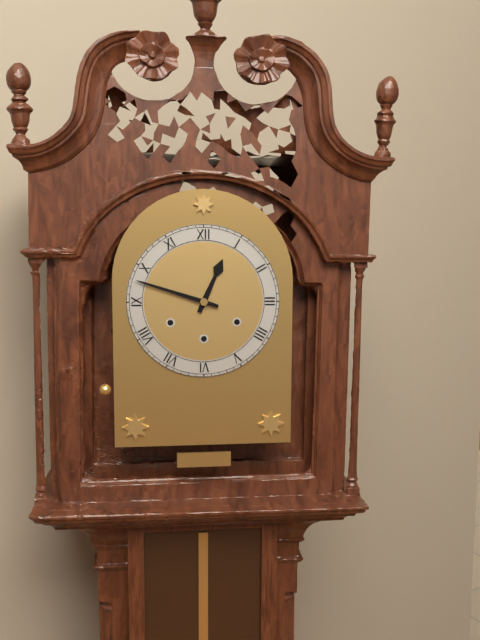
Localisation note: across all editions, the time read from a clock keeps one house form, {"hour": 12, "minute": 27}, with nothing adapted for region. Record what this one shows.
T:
{"hour": 12, "minute": 48}
